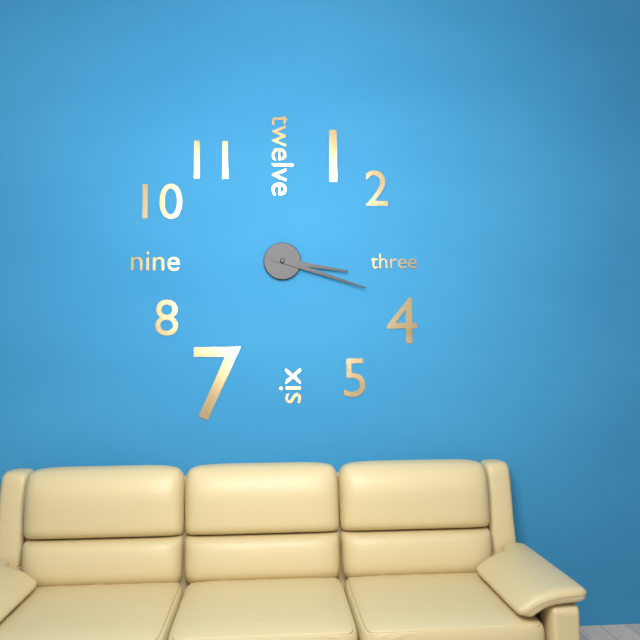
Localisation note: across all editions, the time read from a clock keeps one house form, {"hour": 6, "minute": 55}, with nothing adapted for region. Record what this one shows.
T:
{"hour": 3, "minute": 18}
